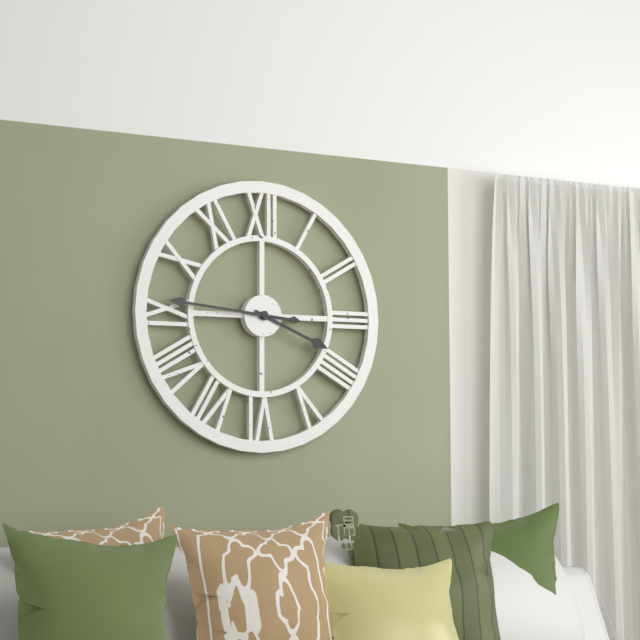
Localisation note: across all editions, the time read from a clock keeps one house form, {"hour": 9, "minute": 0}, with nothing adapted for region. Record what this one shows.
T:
{"hour": 3, "minute": 46}
